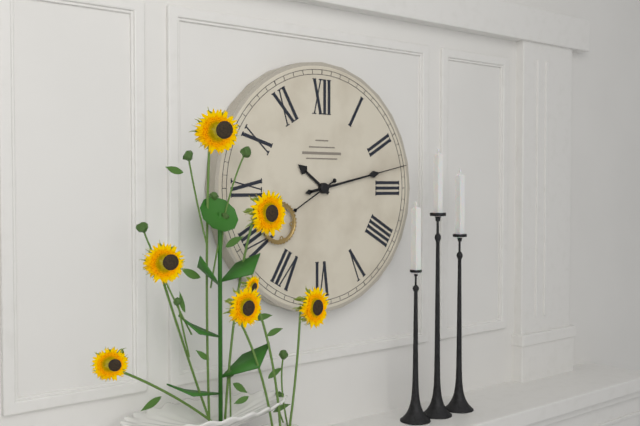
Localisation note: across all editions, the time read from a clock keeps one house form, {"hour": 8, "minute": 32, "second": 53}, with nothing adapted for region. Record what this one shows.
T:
{"hour": 10, "minute": 13, "second": 40}
